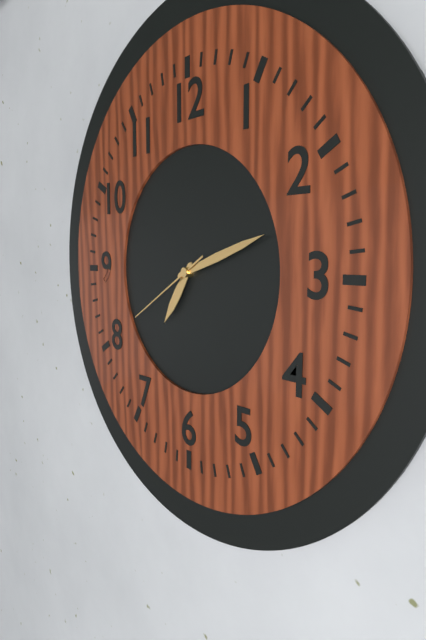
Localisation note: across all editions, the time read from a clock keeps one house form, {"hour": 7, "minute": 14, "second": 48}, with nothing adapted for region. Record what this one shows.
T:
{"hour": 7, "minute": 12, "second": 40}
